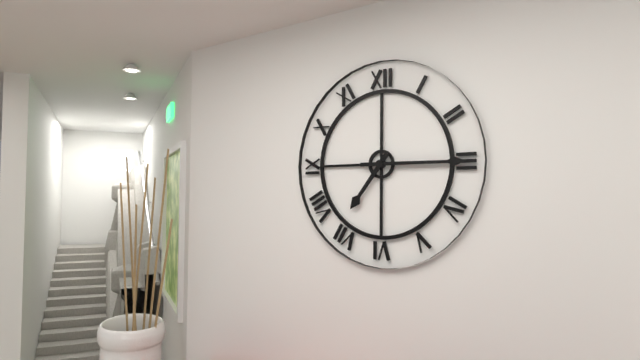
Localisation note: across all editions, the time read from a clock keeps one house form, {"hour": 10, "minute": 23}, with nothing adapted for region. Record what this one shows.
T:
{"hour": 7, "minute": 15}
